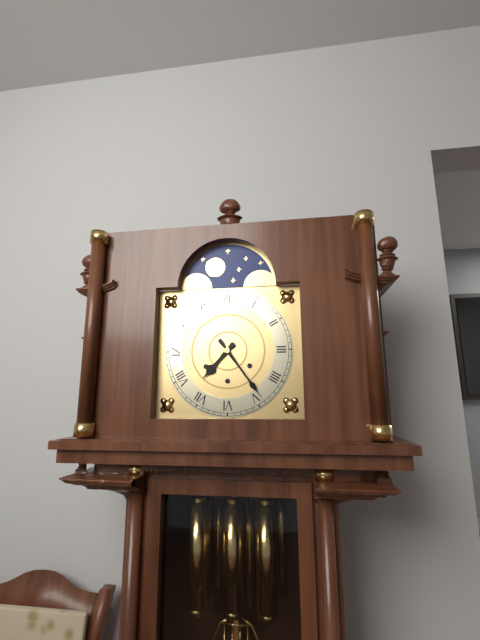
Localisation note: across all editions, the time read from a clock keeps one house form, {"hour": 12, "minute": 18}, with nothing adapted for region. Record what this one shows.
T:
{"hour": 7, "minute": 24}
